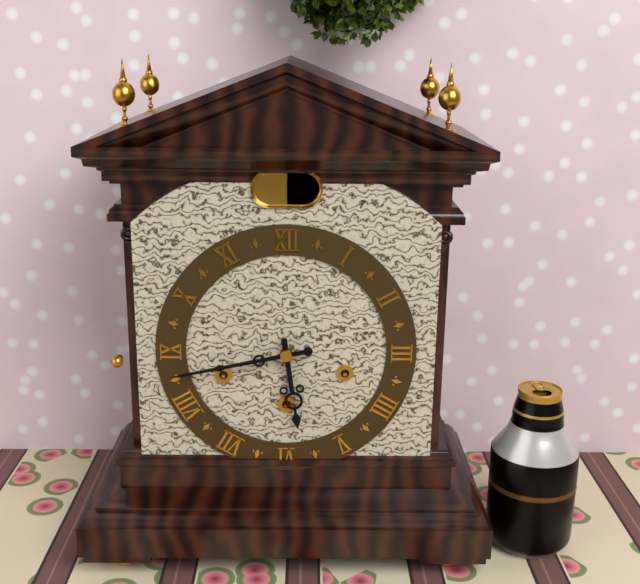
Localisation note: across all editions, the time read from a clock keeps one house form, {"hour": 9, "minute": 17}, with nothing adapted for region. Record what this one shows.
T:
{"hour": 5, "minute": 43}
